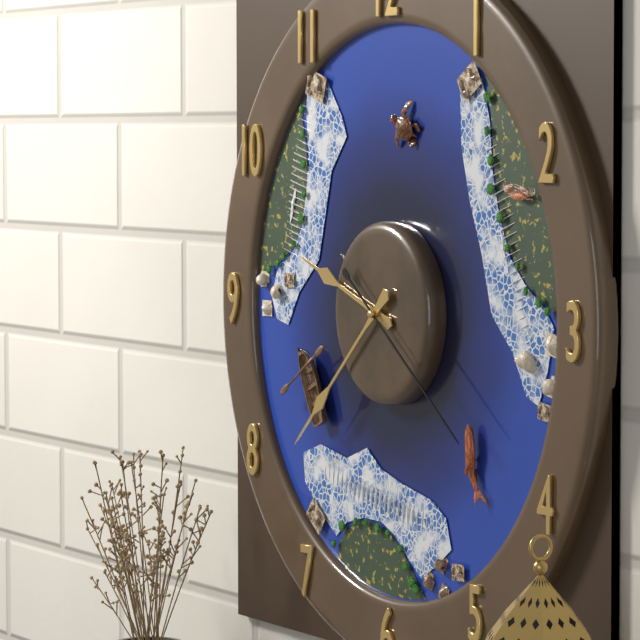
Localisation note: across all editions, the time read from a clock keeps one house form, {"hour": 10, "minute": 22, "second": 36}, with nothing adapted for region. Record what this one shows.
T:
{"hour": 9, "minute": 38, "second": 21}
